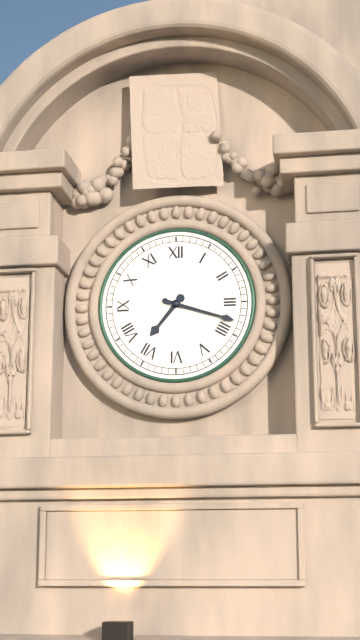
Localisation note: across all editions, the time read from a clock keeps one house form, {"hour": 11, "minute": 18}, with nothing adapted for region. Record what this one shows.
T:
{"hour": 7, "minute": 18}
